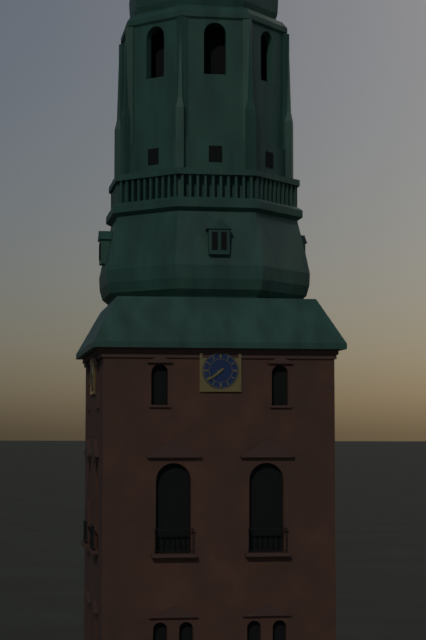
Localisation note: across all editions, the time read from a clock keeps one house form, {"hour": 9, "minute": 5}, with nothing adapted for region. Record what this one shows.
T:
{"hour": 7, "minute": 39}
